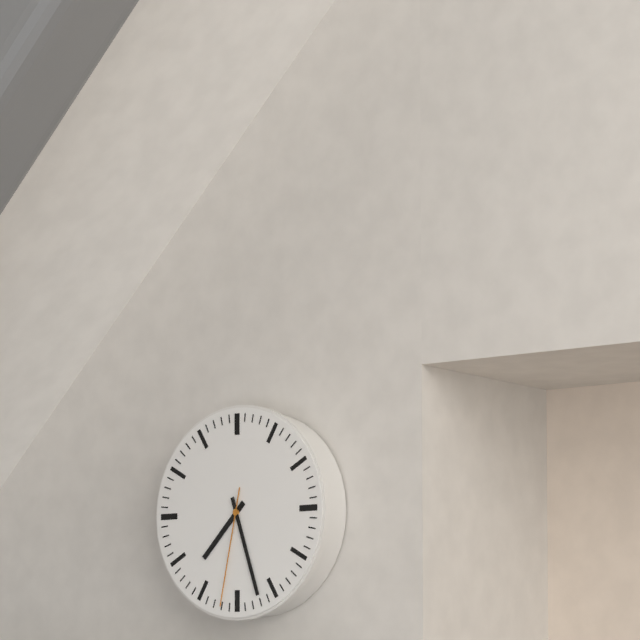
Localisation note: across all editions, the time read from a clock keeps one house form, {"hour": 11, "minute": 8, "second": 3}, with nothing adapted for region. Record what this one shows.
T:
{"hour": 7, "minute": 27, "second": 32}
